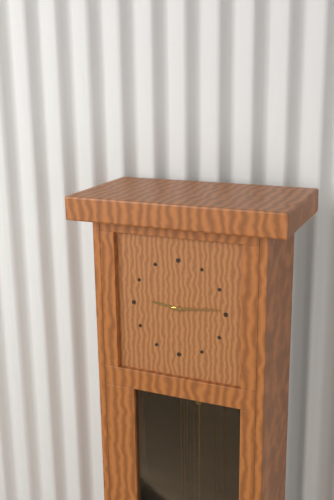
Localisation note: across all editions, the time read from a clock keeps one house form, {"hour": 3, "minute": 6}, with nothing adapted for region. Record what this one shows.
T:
{"hour": 9, "minute": 14}
